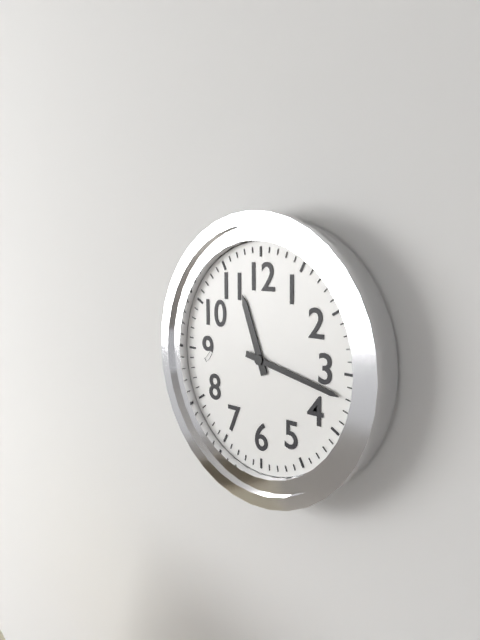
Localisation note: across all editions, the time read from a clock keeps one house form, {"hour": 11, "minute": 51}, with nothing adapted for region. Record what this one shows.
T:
{"hour": 11, "minute": 17}
